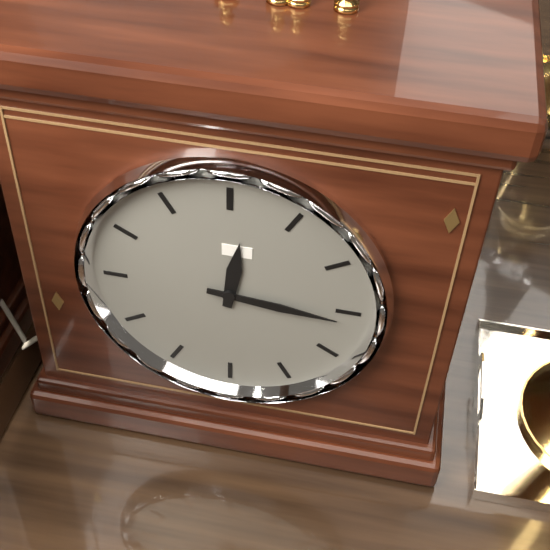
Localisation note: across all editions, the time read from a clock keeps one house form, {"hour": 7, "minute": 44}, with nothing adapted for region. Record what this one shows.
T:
{"hour": 12, "minute": 16}
